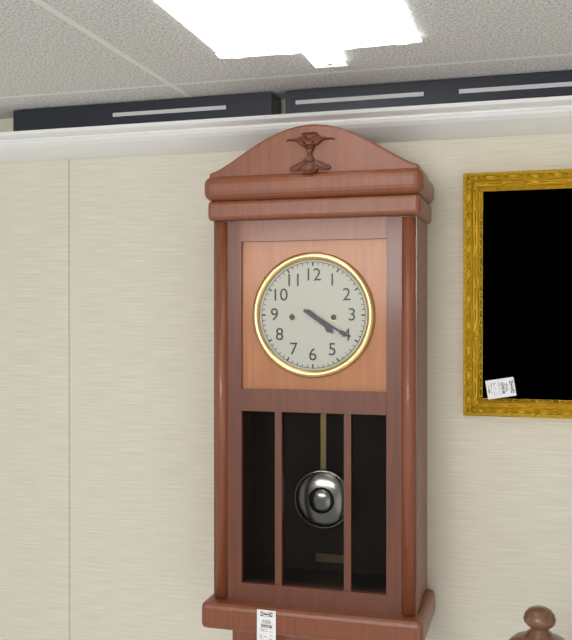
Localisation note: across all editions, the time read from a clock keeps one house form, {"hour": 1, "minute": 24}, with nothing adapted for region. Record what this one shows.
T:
{"hour": 4, "minute": 20}
